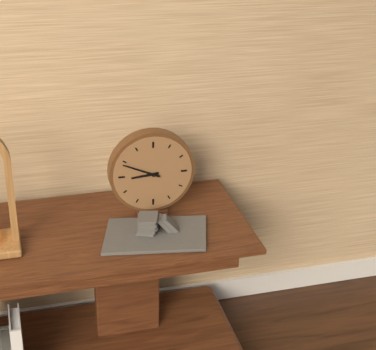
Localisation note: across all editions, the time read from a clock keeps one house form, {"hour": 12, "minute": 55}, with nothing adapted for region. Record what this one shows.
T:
{"hour": 8, "minute": 49}
